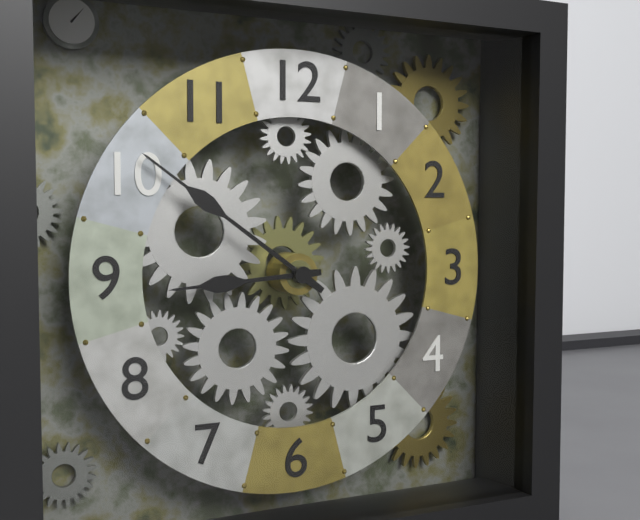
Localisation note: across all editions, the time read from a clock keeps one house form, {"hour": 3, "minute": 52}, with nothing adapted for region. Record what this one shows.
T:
{"hour": 8, "minute": 51}
